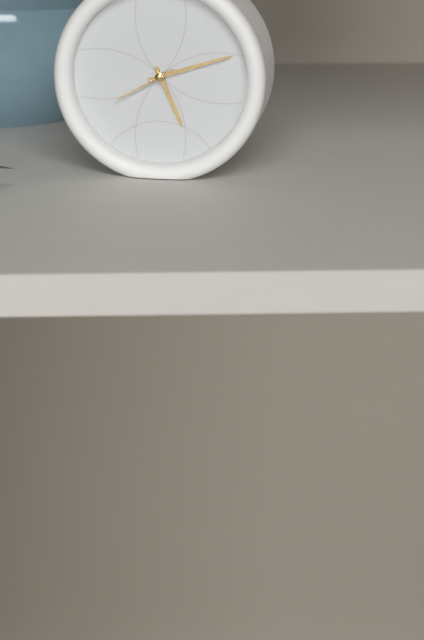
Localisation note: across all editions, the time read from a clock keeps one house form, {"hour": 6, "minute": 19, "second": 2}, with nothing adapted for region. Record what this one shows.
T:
{"hour": 5, "minute": 12, "second": 40}
